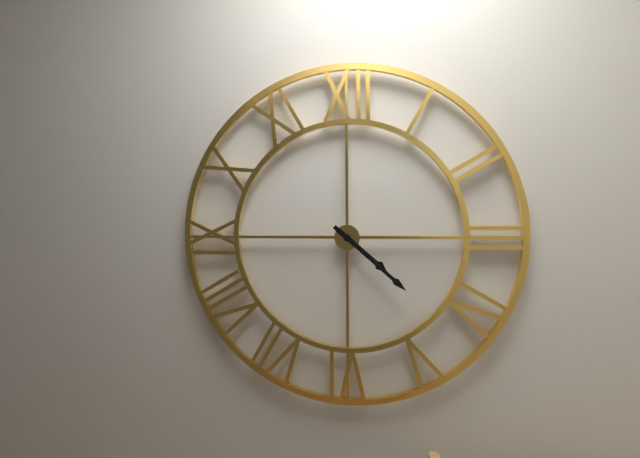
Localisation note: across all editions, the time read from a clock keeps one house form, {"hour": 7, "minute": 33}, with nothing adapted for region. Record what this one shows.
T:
{"hour": 4, "minute": 22}
